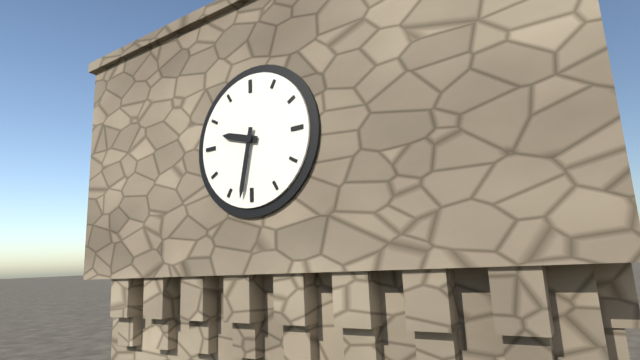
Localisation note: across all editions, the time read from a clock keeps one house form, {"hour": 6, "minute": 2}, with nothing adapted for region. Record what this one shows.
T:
{"hour": 9, "minute": 32}
